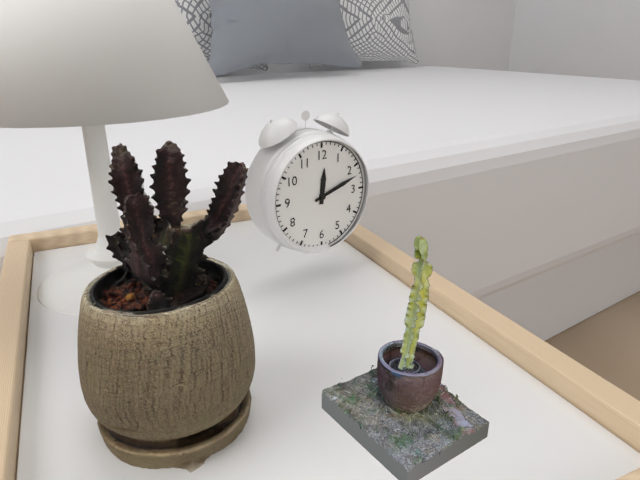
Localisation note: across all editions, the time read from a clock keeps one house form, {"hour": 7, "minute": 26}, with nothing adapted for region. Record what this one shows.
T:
{"hour": 12, "minute": 12}
